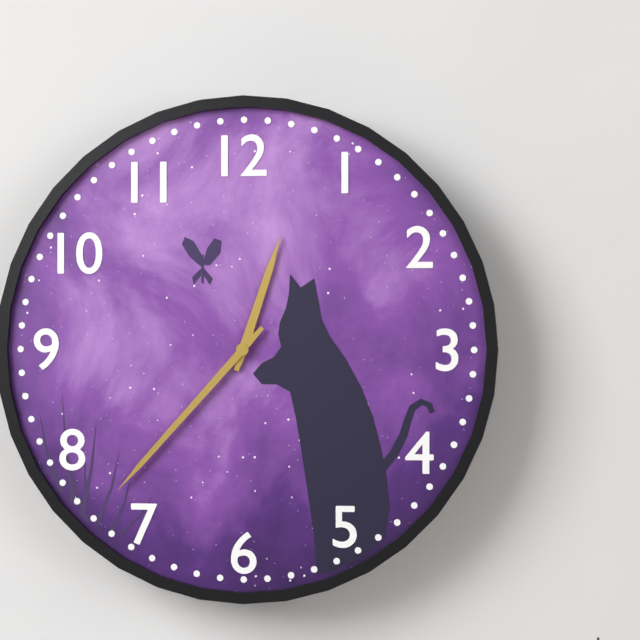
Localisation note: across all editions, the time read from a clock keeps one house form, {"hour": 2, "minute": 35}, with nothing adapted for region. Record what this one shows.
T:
{"hour": 12, "minute": 37}
